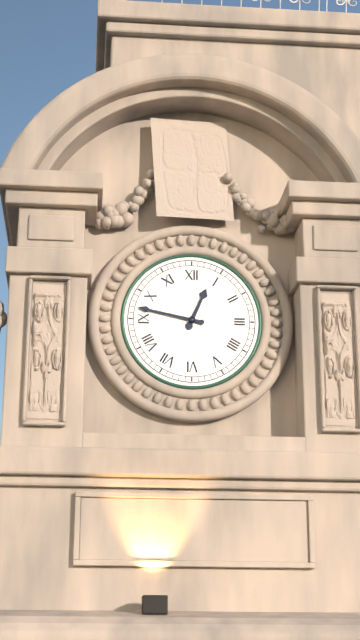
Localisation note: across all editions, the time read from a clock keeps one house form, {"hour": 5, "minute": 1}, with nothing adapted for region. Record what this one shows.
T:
{"hour": 12, "minute": 47}
